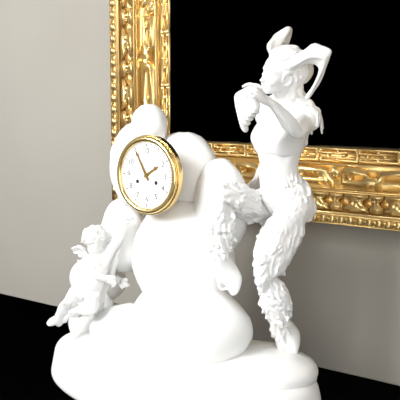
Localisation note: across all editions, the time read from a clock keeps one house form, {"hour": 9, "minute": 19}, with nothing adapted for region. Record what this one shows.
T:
{"hour": 1, "minute": 55}
